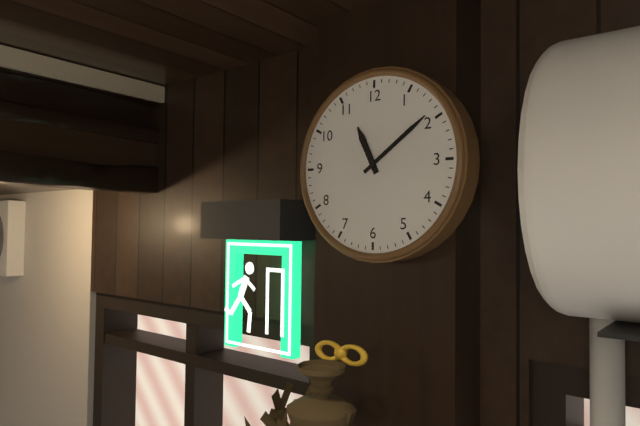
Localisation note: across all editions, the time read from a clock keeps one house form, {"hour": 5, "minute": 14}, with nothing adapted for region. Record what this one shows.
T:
{"hour": 11, "minute": 9}
